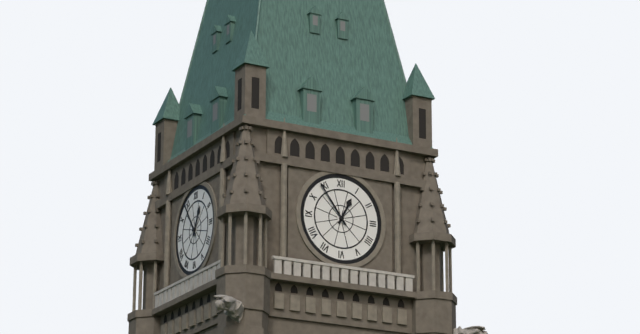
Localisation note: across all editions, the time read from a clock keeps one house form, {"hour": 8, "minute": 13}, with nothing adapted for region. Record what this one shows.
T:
{"hour": 12, "minute": 54}
